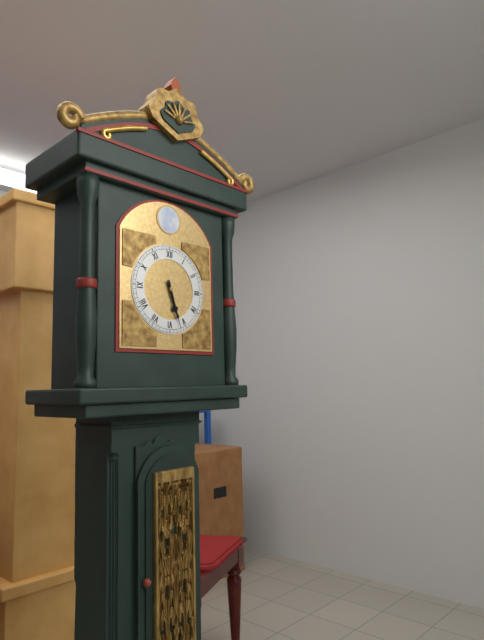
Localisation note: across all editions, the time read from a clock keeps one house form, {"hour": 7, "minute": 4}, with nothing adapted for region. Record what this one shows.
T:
{"hour": 5, "minute": 27}
